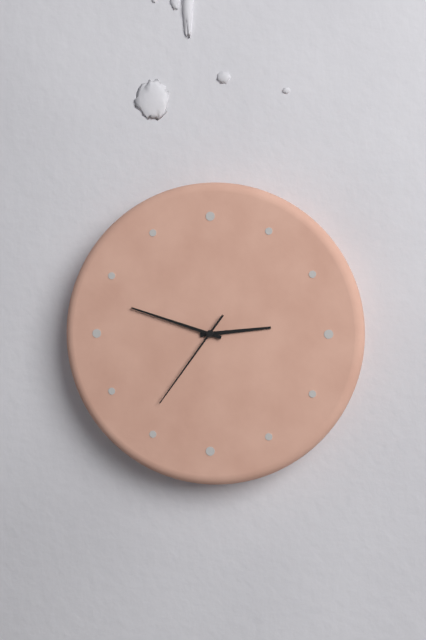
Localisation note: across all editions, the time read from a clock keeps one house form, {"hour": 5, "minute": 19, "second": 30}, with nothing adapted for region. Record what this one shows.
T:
{"hour": 2, "minute": 48, "second": 36}
